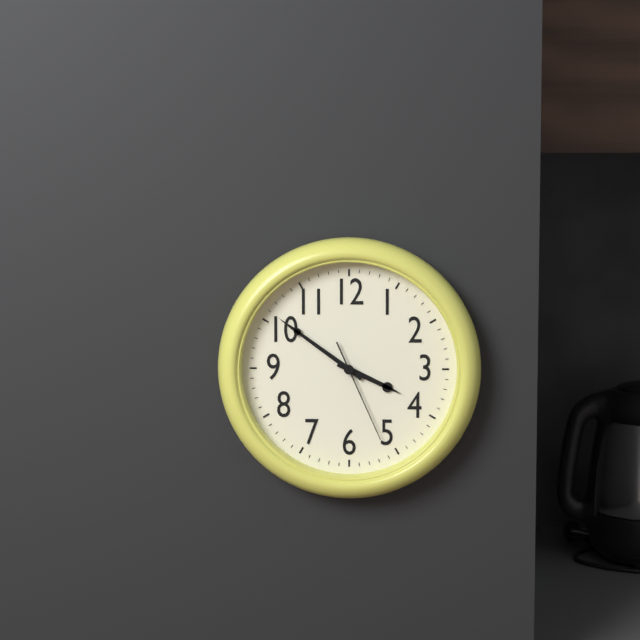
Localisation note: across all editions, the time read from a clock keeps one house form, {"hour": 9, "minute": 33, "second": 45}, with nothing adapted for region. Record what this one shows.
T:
{"hour": 3, "minute": 51, "second": 26}
